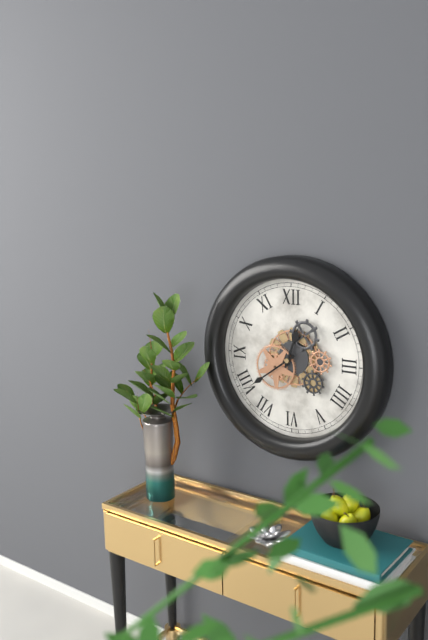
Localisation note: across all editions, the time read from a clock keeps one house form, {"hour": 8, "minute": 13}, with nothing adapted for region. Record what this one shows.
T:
{"hour": 12, "minute": 39}
